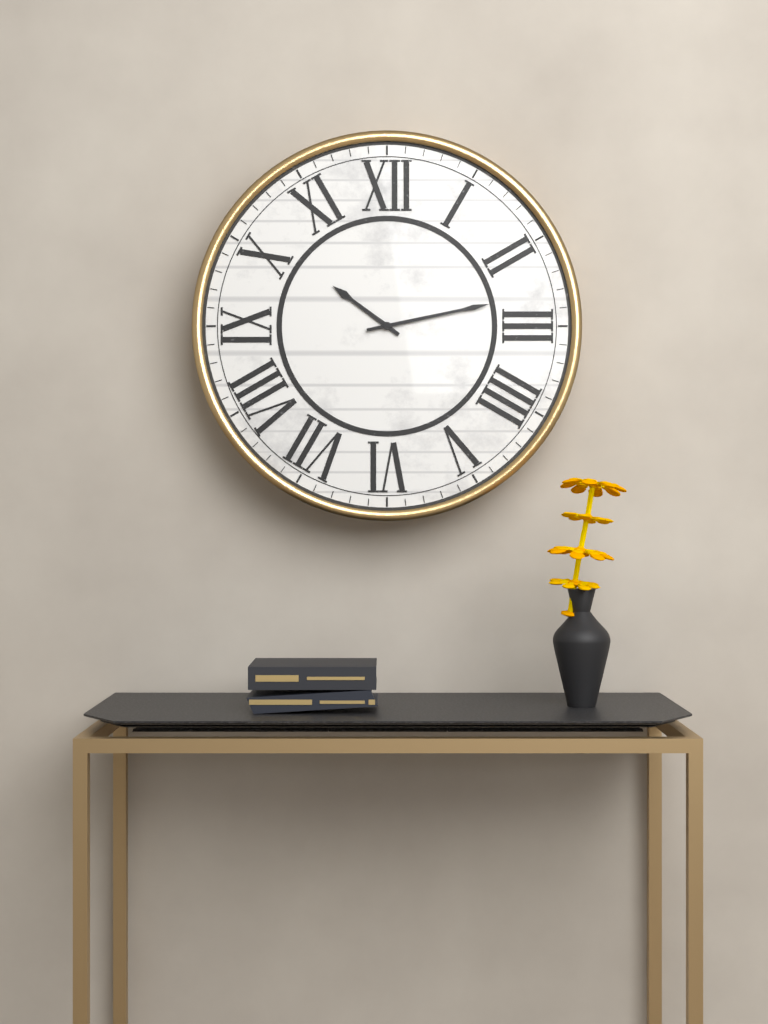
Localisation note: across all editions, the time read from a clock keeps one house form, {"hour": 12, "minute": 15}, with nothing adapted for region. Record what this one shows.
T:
{"hour": 10, "minute": 13}
